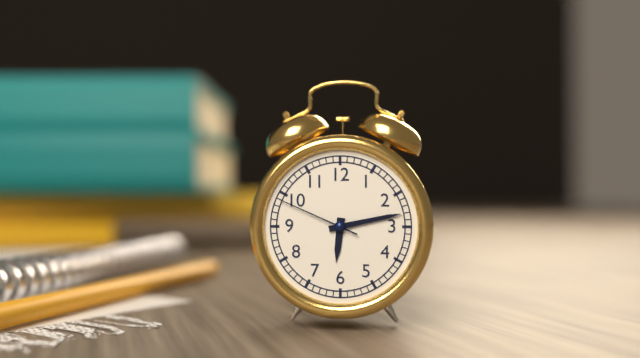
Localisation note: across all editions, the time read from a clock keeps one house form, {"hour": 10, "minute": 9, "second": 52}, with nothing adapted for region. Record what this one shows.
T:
{"hour": 6, "minute": 13, "second": 49}
